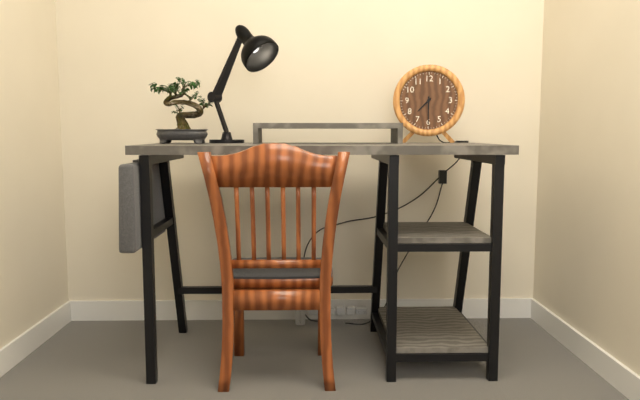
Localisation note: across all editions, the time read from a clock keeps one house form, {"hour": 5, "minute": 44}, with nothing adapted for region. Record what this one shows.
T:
{"hour": 7, "minute": 30}
